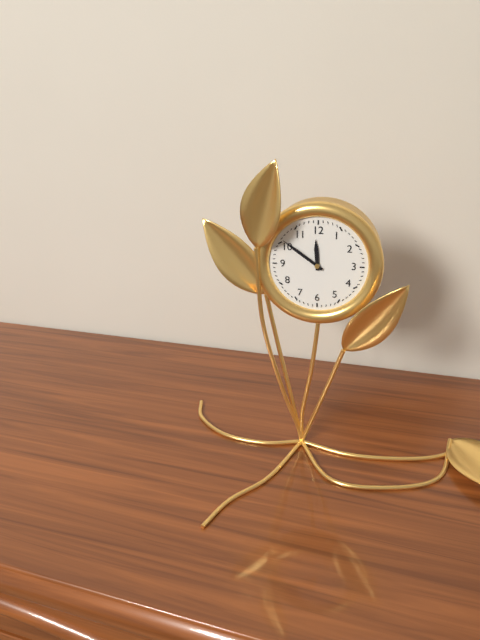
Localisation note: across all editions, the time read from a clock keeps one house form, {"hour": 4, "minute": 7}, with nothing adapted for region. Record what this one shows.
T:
{"hour": 11, "minute": 51}
